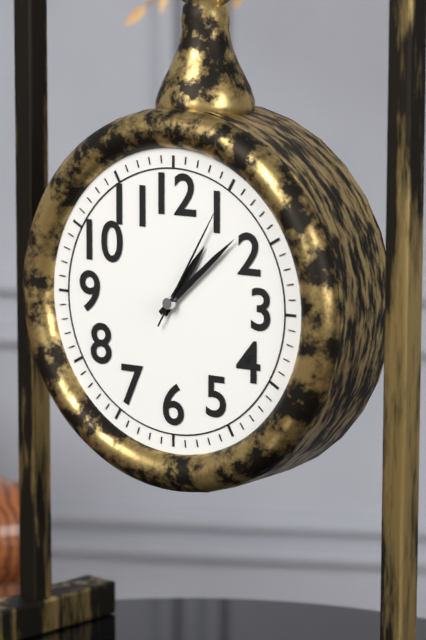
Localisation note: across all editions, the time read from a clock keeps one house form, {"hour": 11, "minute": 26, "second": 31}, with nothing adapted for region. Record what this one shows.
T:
{"hour": 1, "minute": 8, "second": 5}
